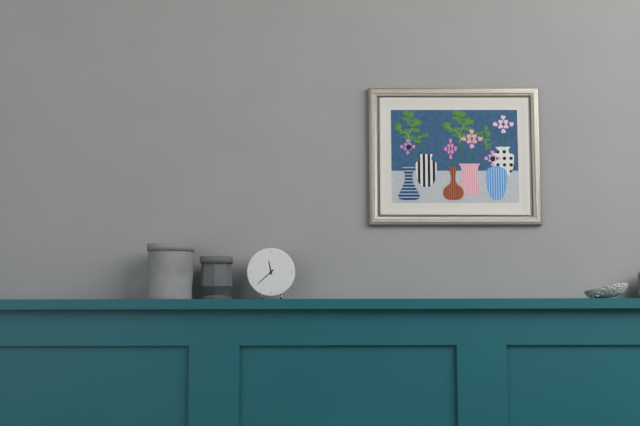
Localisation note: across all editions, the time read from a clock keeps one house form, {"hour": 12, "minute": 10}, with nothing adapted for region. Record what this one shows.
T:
{"hour": 11, "minute": 38}
